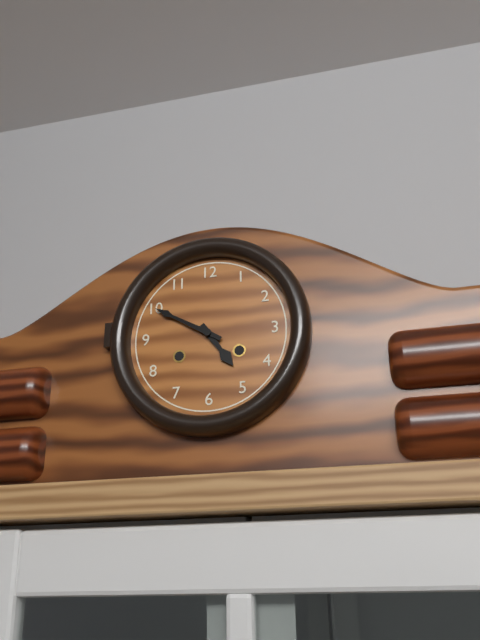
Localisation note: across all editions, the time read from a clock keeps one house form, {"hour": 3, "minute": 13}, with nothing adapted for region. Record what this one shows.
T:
{"hour": 4, "minute": 50}
